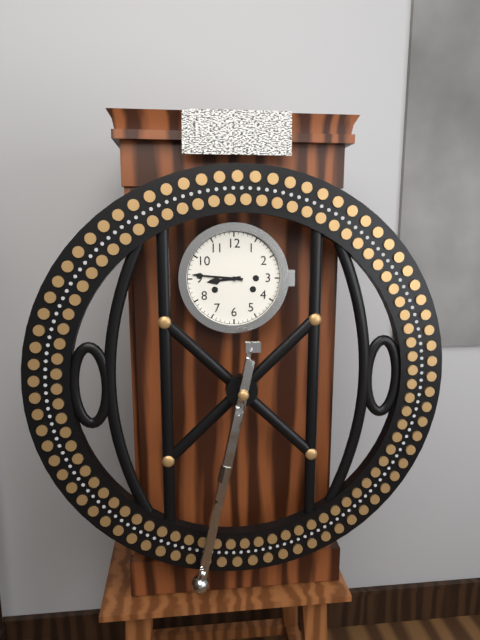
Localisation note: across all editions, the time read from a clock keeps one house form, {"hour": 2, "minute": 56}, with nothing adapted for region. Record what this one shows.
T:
{"hour": 8, "minute": 46}
